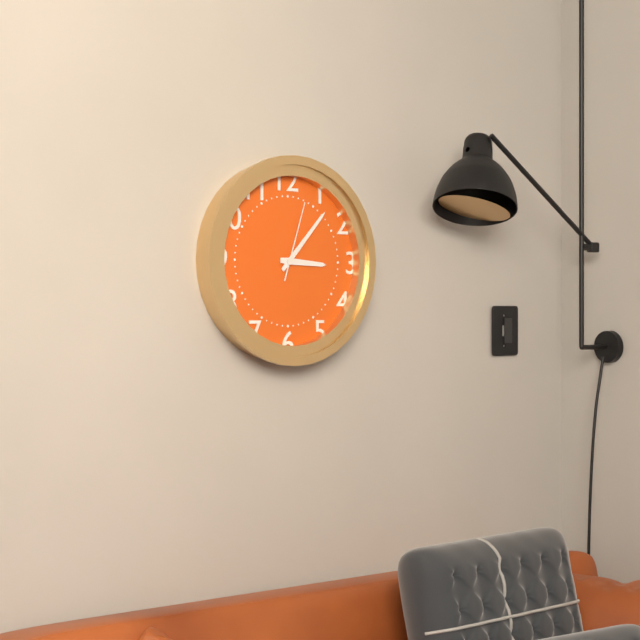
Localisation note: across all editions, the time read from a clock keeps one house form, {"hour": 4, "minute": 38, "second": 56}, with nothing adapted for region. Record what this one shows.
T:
{"hour": 3, "minute": 7, "second": 3}
